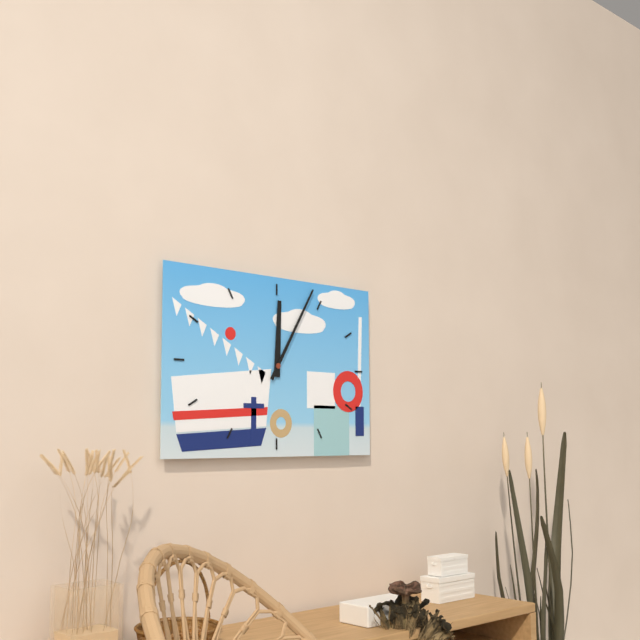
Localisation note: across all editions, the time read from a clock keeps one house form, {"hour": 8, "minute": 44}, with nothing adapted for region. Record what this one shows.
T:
{"hour": 12, "minute": 5}
